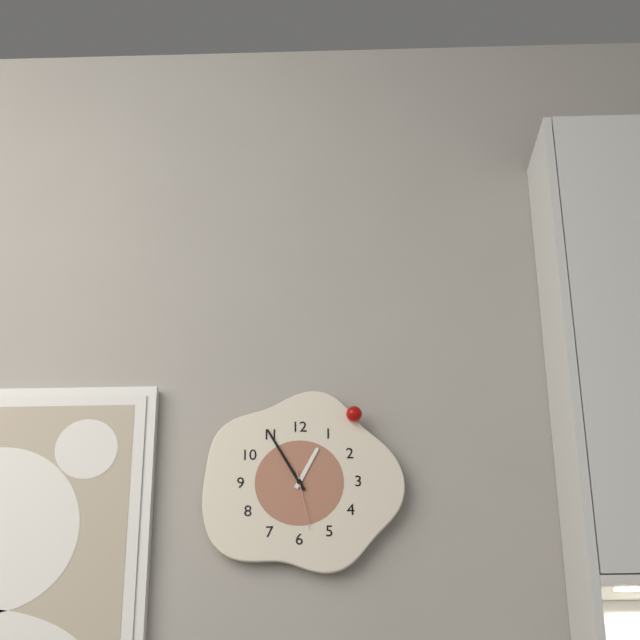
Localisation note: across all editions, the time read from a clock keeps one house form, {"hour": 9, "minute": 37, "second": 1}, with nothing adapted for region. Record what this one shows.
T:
{"hour": 12, "minute": 55, "second": 28}
